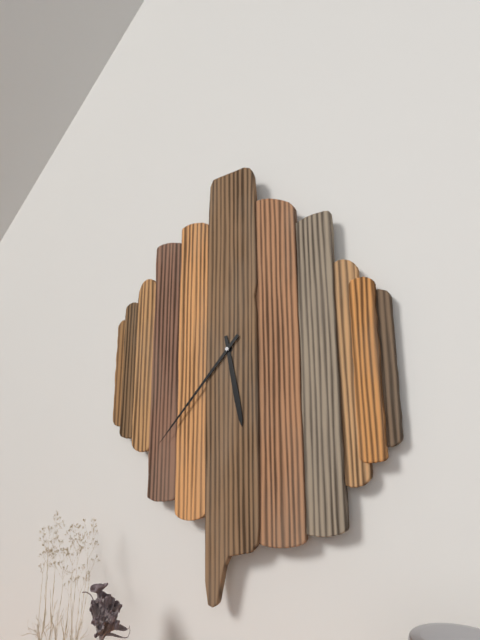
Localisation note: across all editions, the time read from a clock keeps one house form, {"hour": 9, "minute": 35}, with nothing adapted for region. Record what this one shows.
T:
{"hour": 5, "minute": 37}
